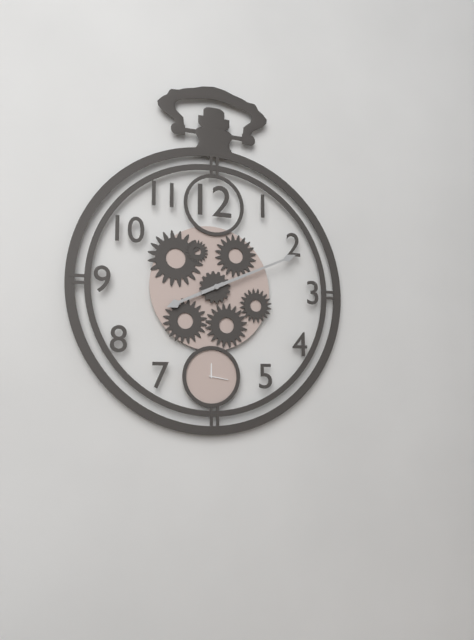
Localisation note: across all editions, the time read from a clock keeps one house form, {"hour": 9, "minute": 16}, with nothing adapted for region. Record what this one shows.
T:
{"hour": 8, "minute": 11}
